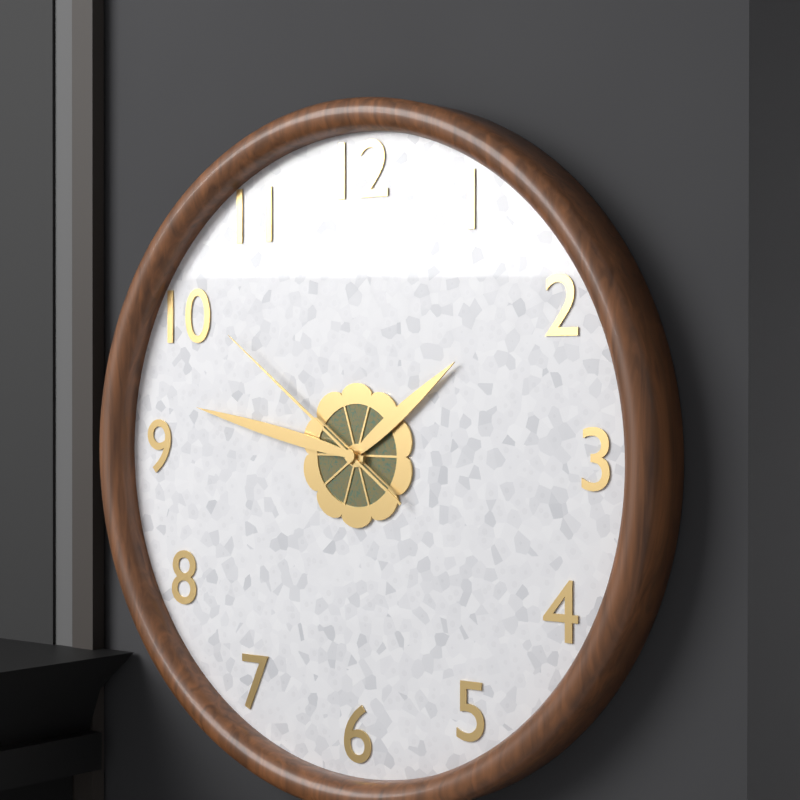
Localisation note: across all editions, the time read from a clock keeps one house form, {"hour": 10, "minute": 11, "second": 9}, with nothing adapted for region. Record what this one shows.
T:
{"hour": 1, "minute": 47, "second": 51}
